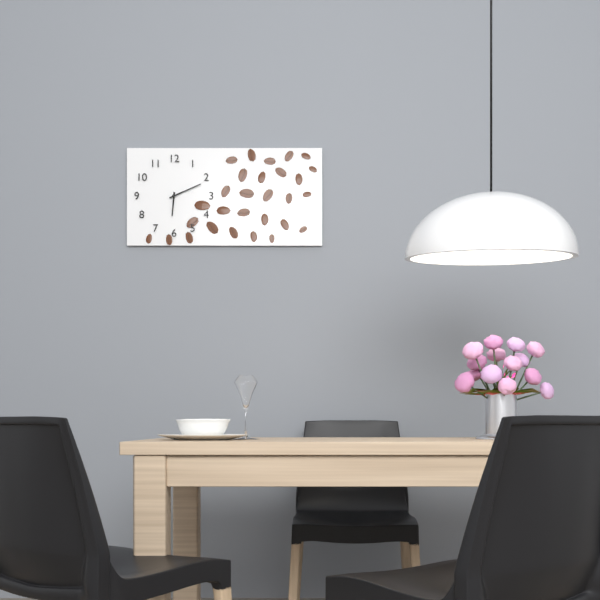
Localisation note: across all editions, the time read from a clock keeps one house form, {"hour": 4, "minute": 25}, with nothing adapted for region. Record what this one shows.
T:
{"hour": 6, "minute": 11}
